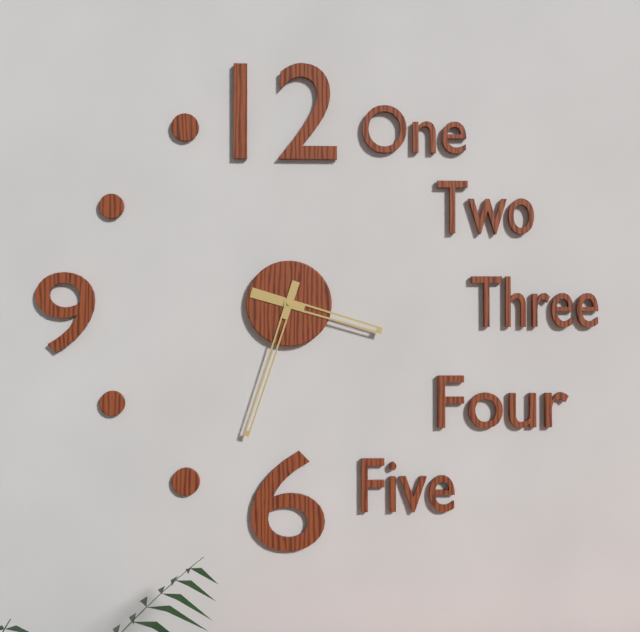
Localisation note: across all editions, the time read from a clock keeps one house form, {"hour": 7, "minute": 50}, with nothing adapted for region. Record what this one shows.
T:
{"hour": 3, "minute": 33}
